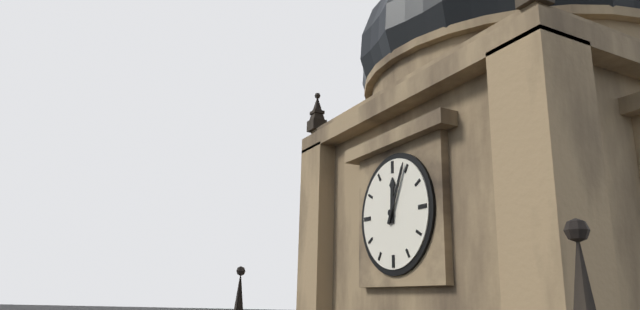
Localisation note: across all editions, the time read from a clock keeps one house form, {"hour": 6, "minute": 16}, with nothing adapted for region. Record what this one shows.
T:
{"hour": 12, "minute": 4}
